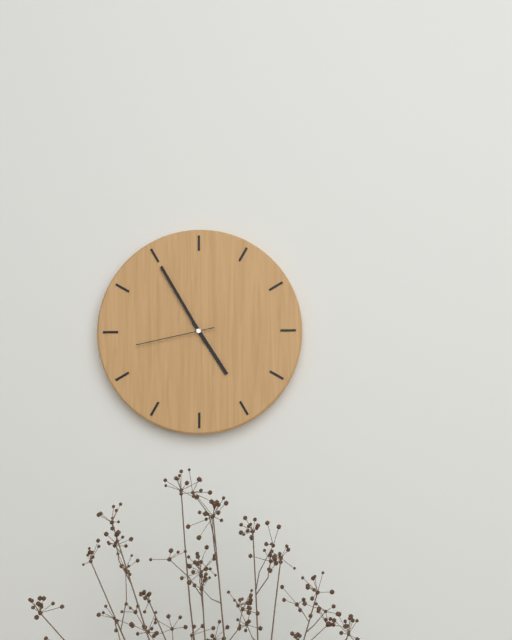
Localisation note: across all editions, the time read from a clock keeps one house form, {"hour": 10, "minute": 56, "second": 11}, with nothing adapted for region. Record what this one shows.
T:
{"hour": 4, "minute": 55, "second": 43}
